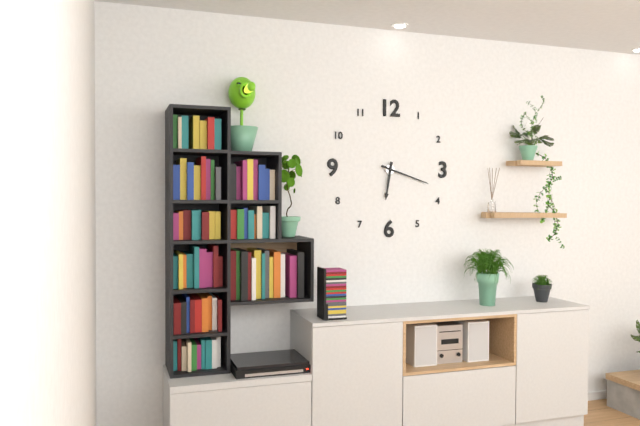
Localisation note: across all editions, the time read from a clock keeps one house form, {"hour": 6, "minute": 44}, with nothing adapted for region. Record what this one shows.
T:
{"hour": 6, "minute": 18}
